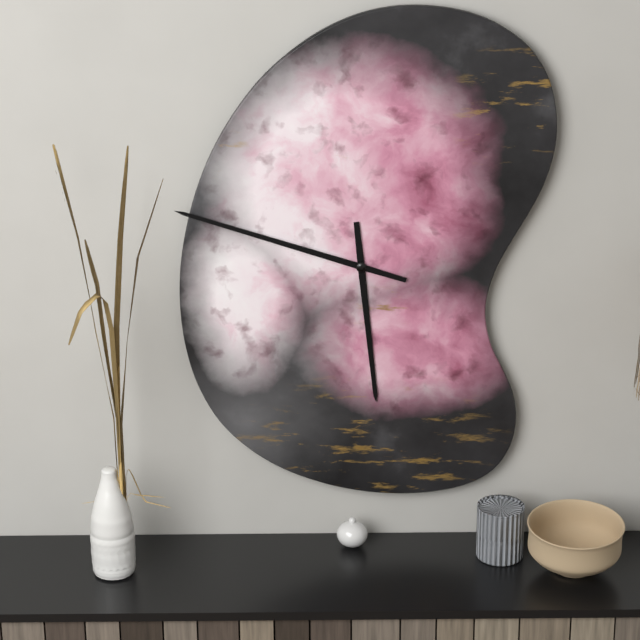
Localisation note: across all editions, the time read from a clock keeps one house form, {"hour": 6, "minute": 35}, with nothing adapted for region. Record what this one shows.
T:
{"hour": 5, "minute": 48}
